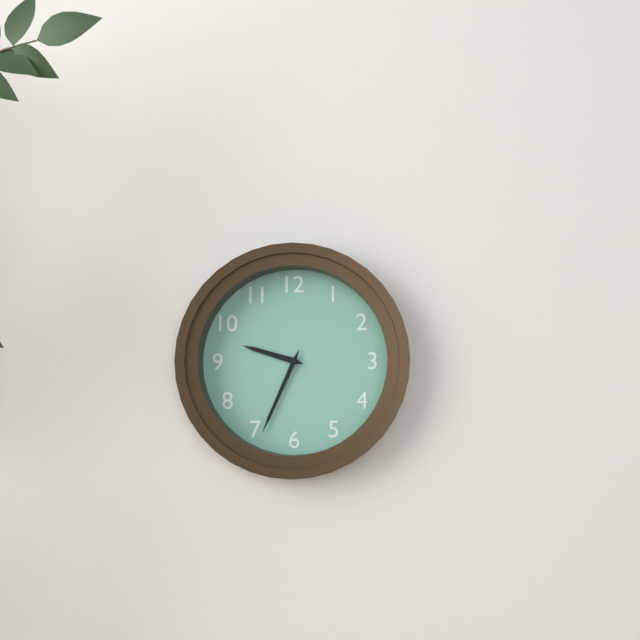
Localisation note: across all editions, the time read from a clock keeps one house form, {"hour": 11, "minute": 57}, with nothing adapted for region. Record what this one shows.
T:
{"hour": 9, "minute": 34}
